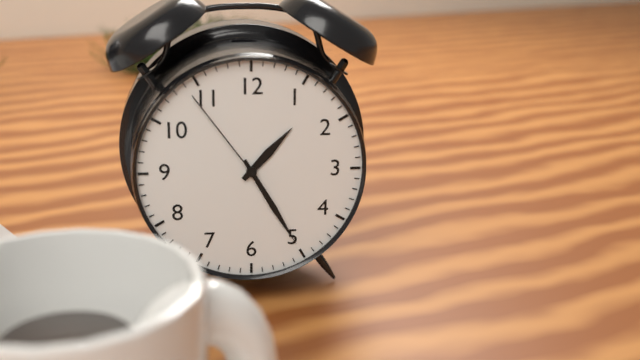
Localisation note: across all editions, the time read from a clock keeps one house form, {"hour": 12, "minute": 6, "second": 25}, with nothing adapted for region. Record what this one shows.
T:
{"hour": 1, "minute": 25, "second": 54}
